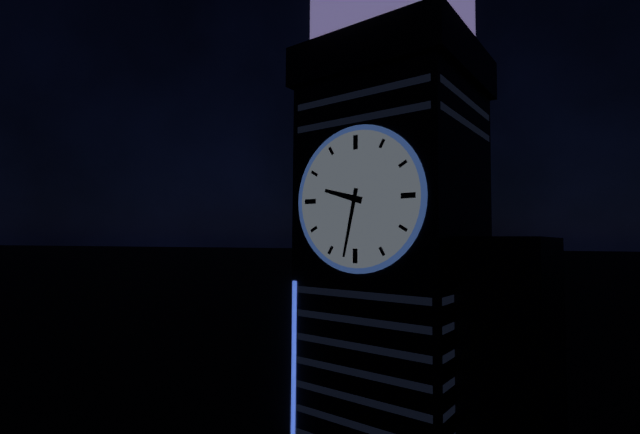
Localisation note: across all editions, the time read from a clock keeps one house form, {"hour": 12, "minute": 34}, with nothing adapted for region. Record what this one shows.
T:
{"hour": 9, "minute": 32}
